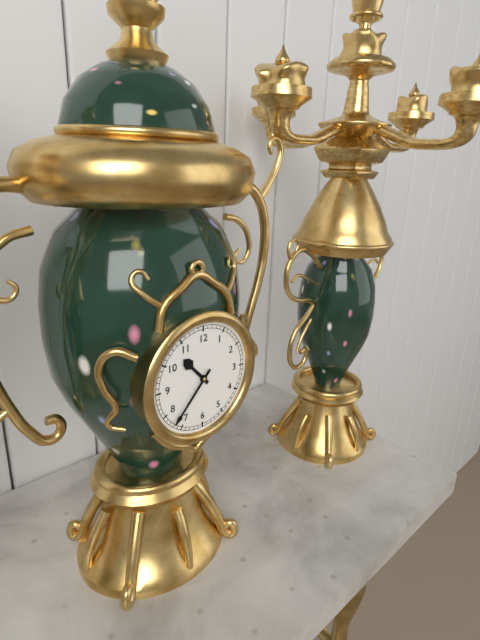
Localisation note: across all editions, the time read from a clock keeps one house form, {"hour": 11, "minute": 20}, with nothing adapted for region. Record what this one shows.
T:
{"hour": 10, "minute": 37}
